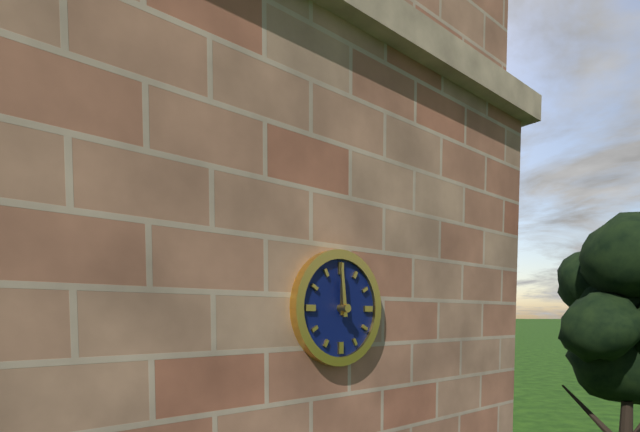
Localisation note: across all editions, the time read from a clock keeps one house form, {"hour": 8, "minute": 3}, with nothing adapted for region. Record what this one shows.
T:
{"hour": 11, "minute": 59}
